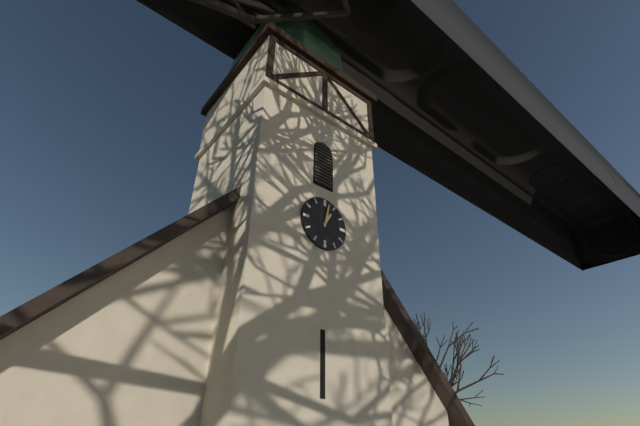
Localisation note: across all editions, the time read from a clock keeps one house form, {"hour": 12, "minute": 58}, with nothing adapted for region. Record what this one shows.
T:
{"hour": 1, "minute": 2}
